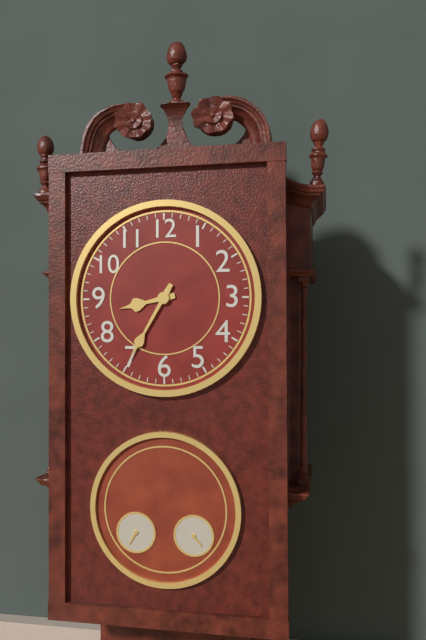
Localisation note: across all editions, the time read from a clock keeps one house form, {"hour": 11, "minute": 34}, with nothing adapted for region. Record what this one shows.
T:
{"hour": 8, "minute": 35}
